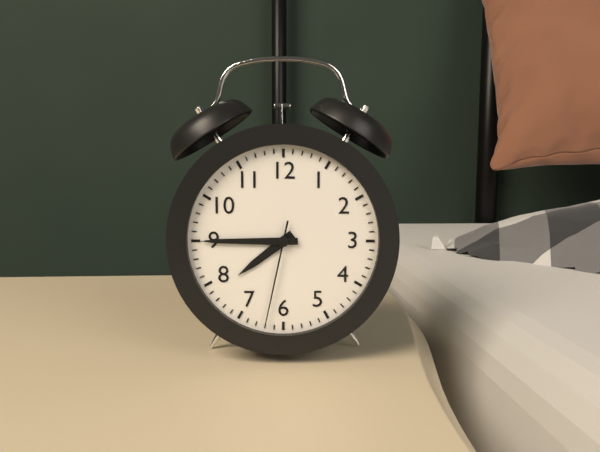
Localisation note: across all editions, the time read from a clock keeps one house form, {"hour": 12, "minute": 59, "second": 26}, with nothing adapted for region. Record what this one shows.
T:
{"hour": 7, "minute": 45, "second": 32}
